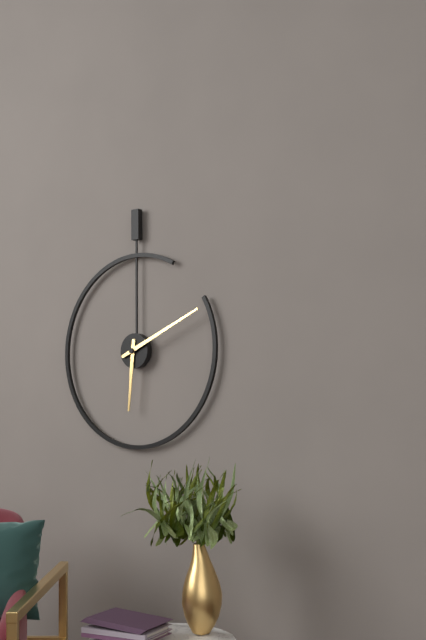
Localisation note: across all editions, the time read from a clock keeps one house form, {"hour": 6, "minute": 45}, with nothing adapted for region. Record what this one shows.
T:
{"hour": 6, "minute": 11}
